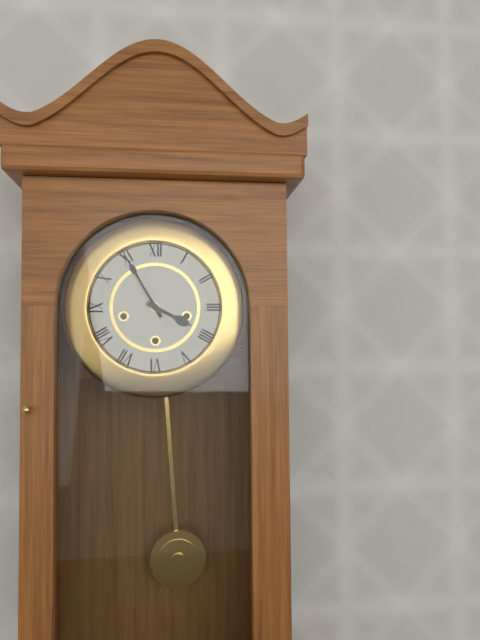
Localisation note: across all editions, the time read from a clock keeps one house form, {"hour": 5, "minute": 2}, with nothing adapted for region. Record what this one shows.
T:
{"hour": 3, "minute": 55}
